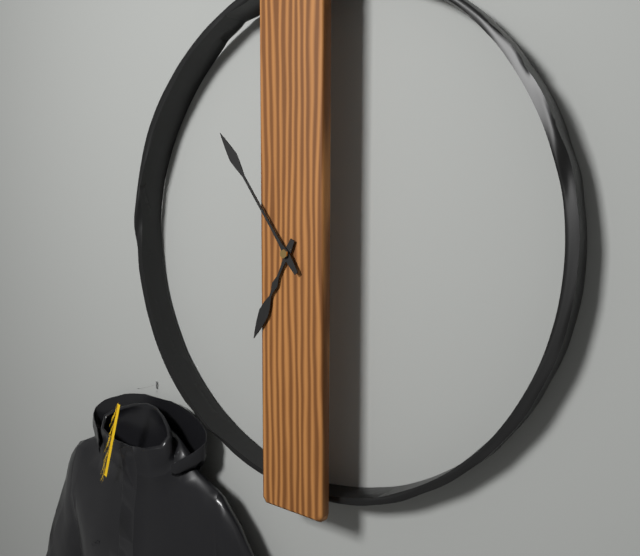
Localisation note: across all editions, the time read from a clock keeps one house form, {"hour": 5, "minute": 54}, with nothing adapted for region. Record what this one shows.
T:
{"hour": 6, "minute": 54}
